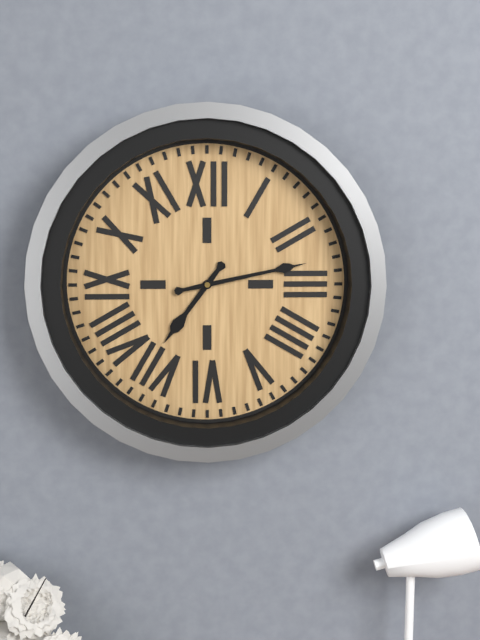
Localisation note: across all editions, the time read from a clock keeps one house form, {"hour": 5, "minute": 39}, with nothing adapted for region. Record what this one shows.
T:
{"hour": 7, "minute": 13}
